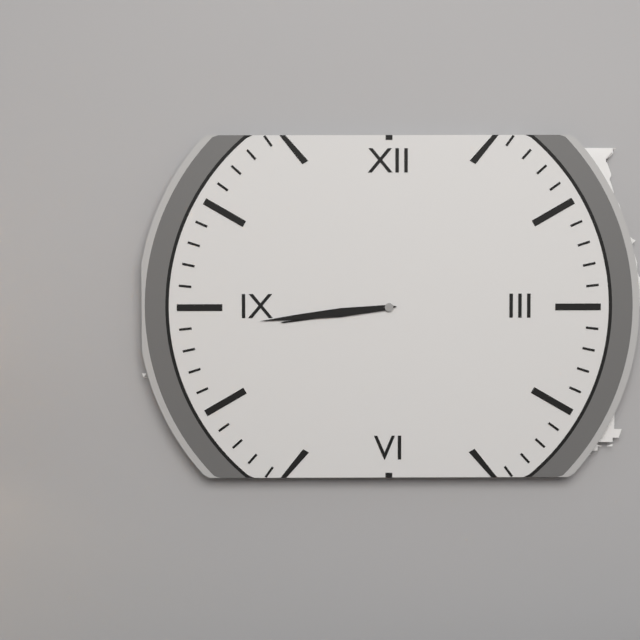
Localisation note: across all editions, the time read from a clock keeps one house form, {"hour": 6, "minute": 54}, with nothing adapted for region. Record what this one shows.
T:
{"hour": 8, "minute": 44}
